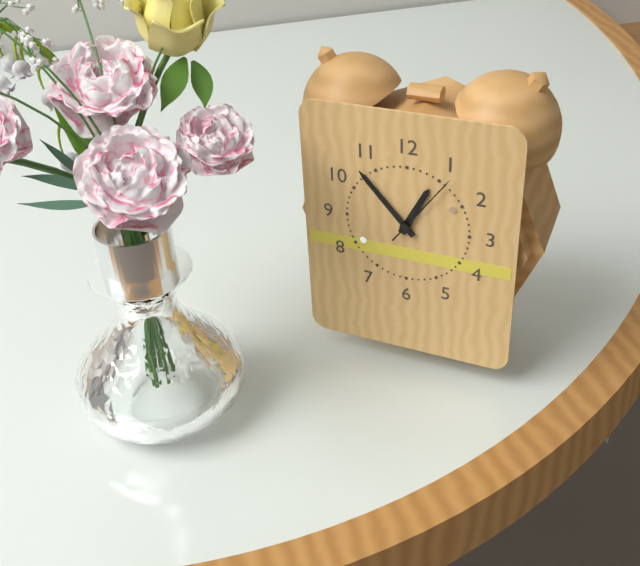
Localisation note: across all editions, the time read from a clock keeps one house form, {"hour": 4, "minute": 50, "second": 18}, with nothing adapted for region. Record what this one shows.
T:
{"hour": 12, "minute": 53, "second": 6}
